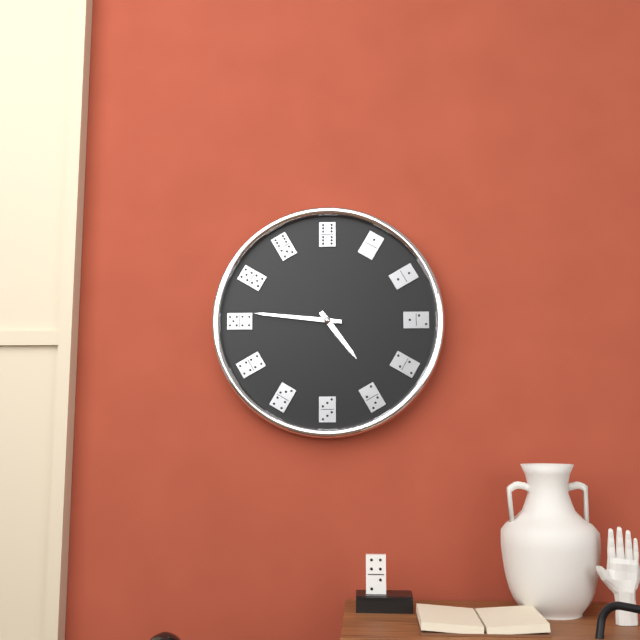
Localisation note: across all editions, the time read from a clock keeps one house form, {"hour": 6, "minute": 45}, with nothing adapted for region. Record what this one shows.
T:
{"hour": 4, "minute": 46}
